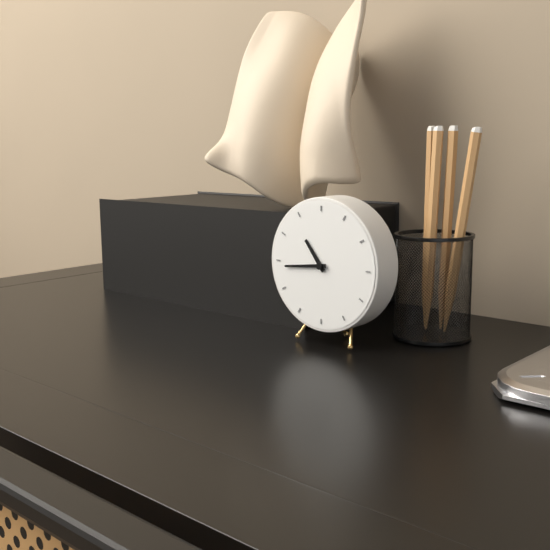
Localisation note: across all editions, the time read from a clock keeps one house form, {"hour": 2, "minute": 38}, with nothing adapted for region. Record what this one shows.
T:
{"hour": 10, "minute": 44}
